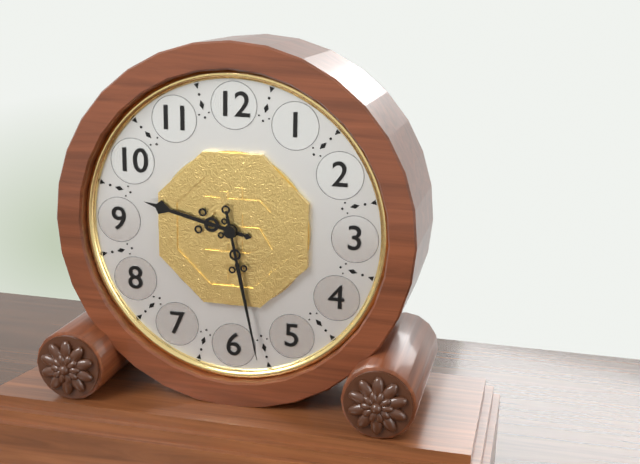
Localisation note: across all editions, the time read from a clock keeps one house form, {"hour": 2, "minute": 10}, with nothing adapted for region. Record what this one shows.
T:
{"hour": 9, "minute": 28}
